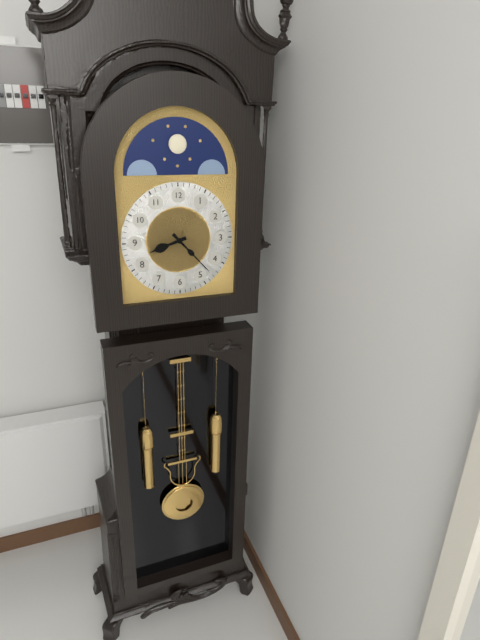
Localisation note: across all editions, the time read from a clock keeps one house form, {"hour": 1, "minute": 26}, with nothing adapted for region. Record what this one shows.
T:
{"hour": 8, "minute": 23}
